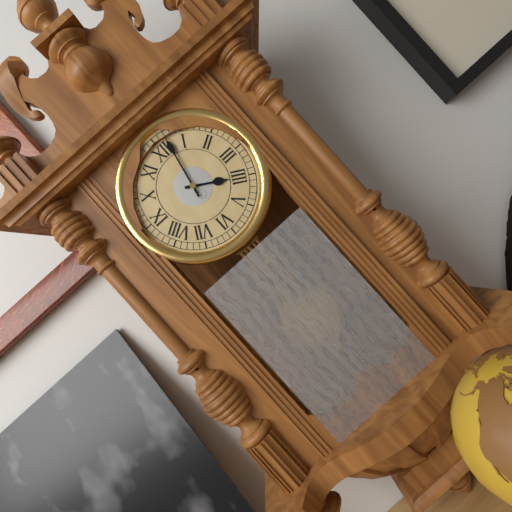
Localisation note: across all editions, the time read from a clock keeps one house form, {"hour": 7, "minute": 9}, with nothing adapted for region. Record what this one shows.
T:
{"hour": 4, "minute": 2}
